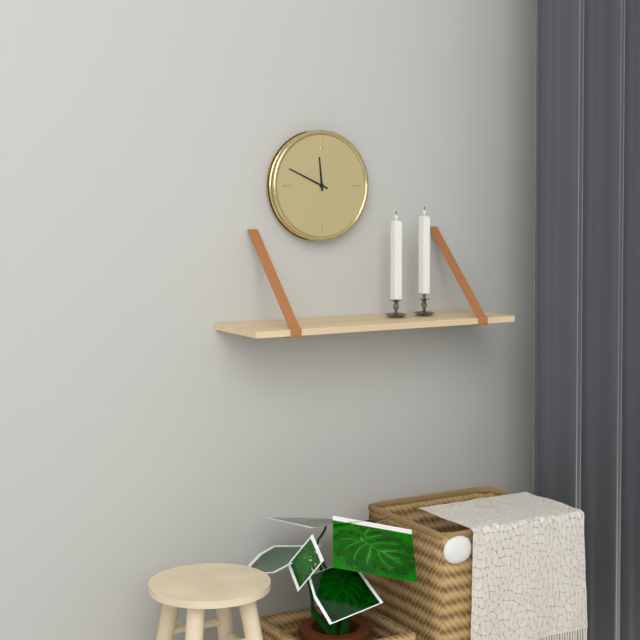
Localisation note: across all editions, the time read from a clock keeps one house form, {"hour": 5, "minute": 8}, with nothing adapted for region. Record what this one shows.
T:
{"hour": 11, "minute": 49}
